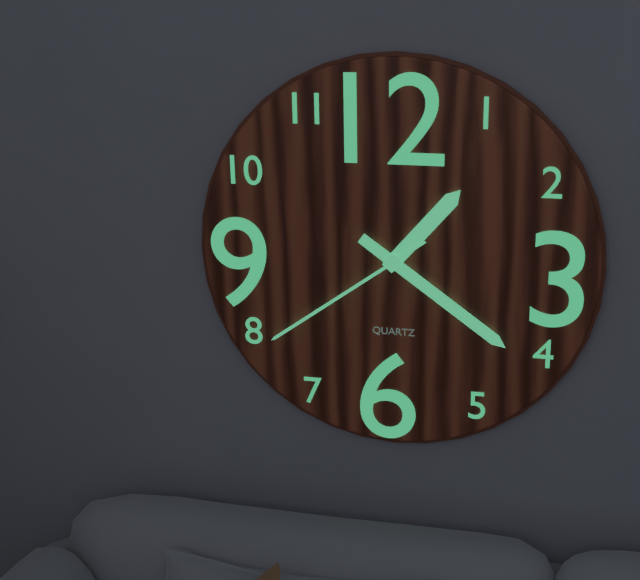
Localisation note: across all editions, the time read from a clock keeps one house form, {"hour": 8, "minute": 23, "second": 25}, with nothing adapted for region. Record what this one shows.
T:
{"hour": 1, "minute": 21, "second": 39}
